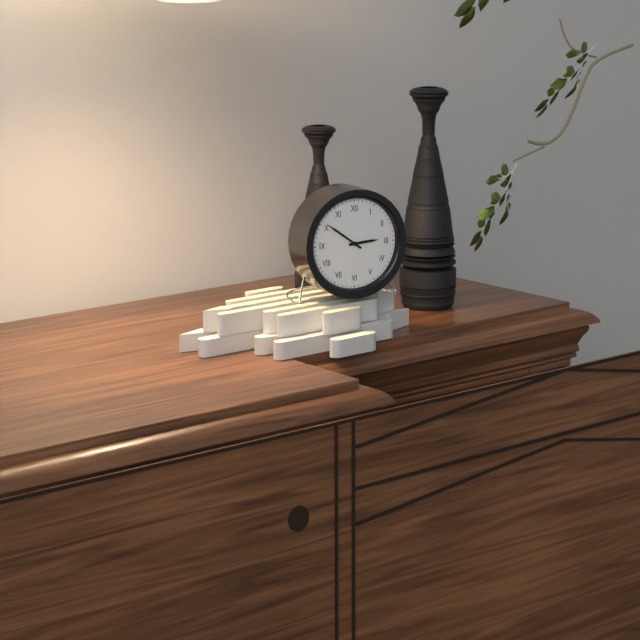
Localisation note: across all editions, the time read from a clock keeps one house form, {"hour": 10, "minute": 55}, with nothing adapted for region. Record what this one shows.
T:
{"hour": 2, "minute": 51}
